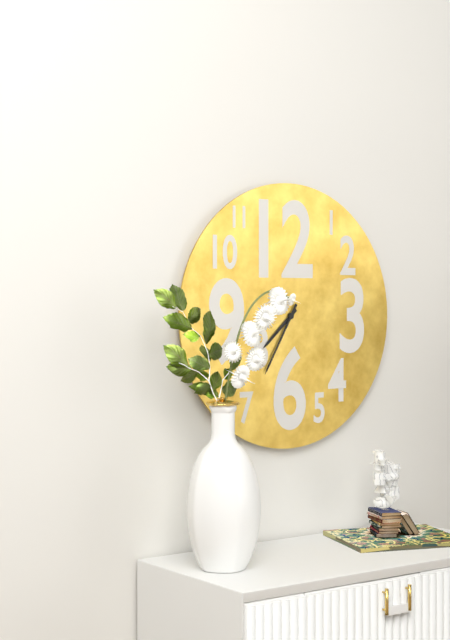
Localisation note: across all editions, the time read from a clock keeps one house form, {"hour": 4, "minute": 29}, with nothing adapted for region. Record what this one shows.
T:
{"hour": 7, "minute": 35}
